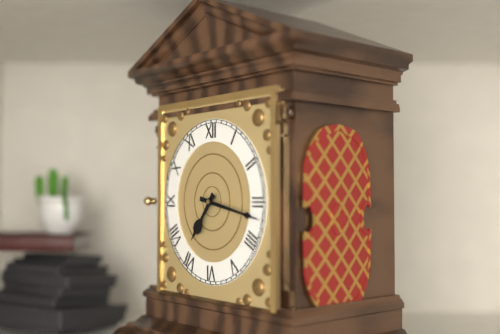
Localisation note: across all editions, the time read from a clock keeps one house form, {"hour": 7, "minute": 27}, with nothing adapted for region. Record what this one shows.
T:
{"hour": 7, "minute": 17}
